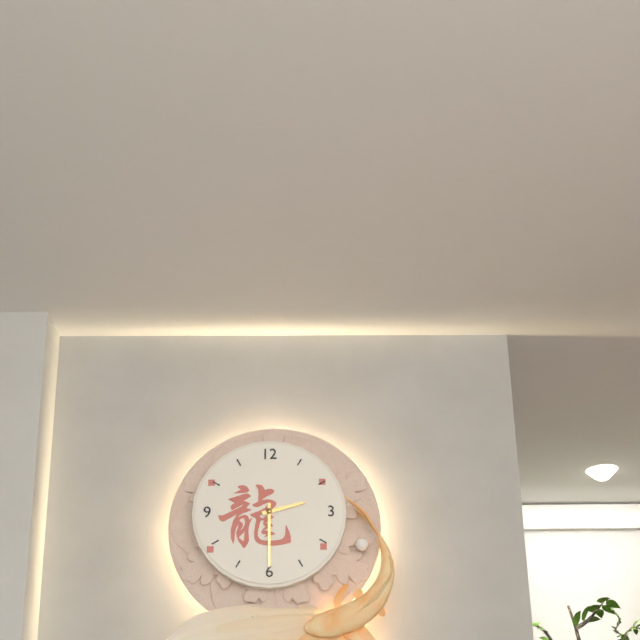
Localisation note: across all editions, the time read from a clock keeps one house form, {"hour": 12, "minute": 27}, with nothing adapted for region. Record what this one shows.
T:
{"hour": 2, "minute": 30}
